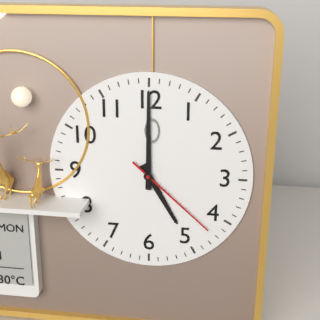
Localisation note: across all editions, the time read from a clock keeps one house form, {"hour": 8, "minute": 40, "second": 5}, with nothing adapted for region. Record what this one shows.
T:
{"hour": 5, "minute": 0, "second": 22}
